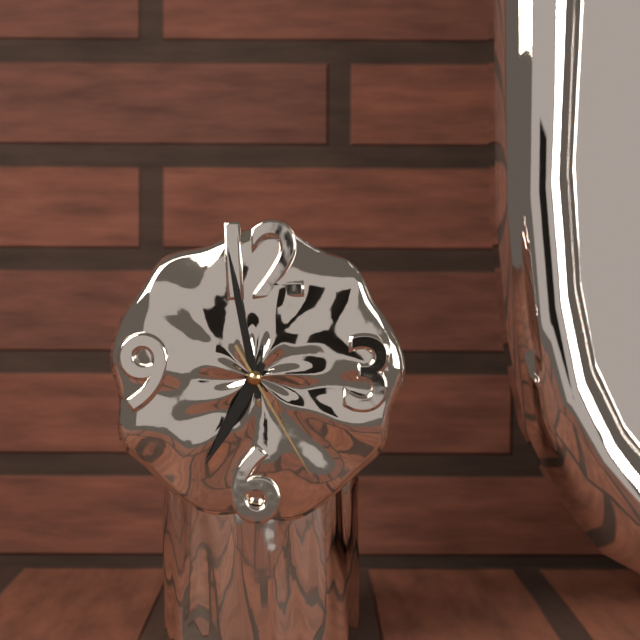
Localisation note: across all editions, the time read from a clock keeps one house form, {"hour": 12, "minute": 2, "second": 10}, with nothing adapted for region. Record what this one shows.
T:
{"hour": 6, "minute": 58, "second": 25}
